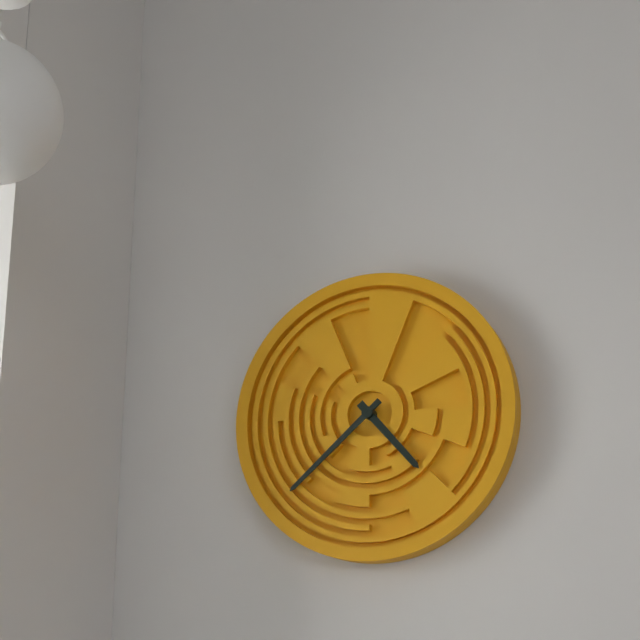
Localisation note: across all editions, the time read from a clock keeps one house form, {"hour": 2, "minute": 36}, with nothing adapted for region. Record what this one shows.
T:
{"hour": 4, "minute": 38}
